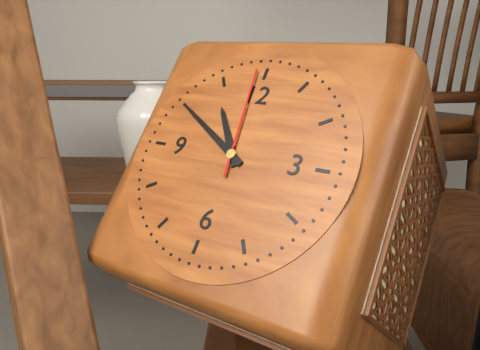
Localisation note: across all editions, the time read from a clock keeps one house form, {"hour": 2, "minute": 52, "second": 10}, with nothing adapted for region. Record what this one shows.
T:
{"hour": 10, "minute": 50, "second": 59}
